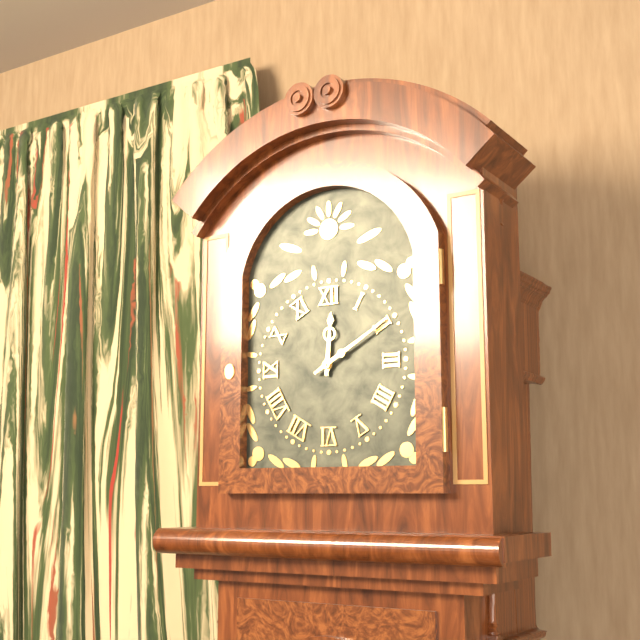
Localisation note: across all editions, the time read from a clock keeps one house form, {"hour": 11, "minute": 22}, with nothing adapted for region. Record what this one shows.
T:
{"hour": 12, "minute": 10}
